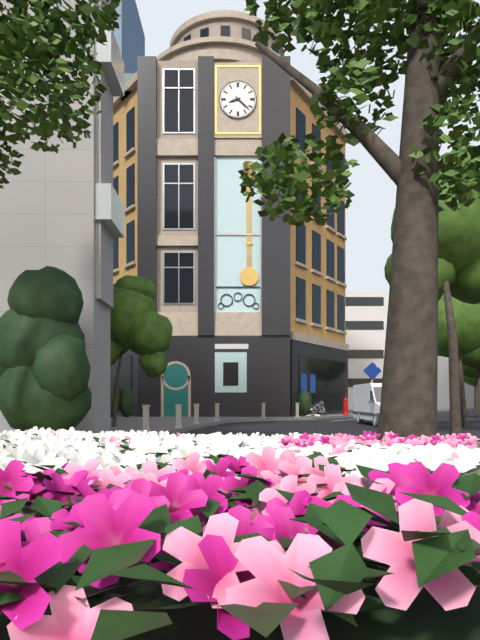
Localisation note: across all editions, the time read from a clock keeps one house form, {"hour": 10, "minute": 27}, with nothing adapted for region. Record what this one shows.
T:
{"hour": 8, "minute": 22}
